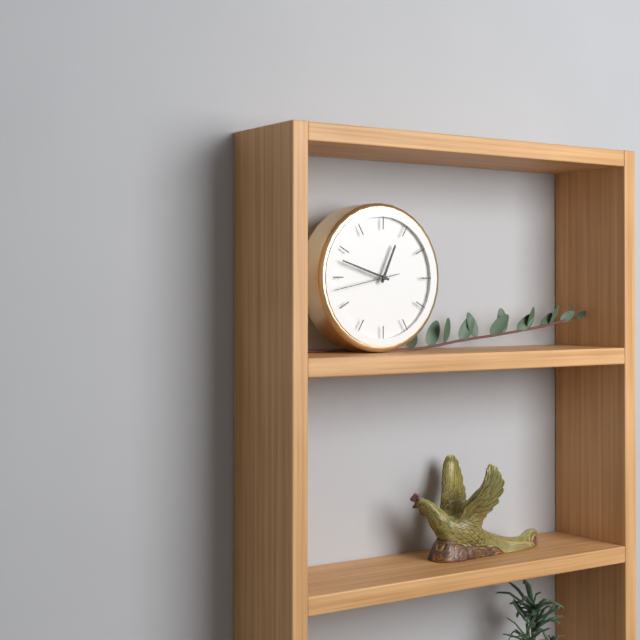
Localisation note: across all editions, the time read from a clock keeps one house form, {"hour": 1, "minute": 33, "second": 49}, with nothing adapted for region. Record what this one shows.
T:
{"hour": 12, "minute": 48, "second": 43}
